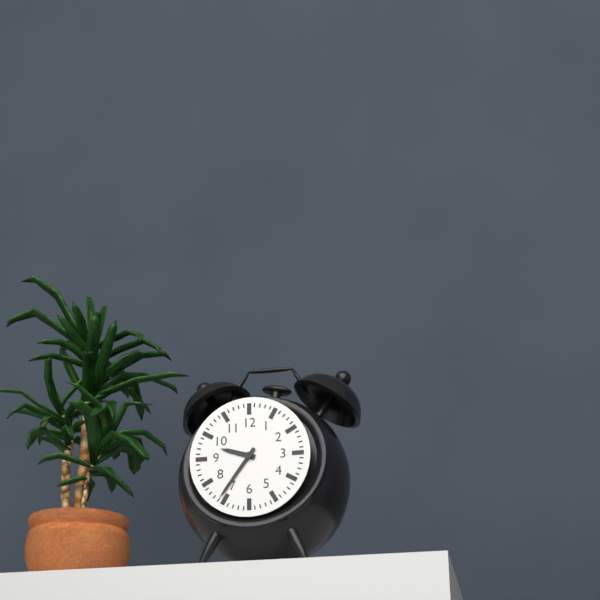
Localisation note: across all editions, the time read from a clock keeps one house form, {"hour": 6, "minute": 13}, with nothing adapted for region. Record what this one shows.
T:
{"hour": 9, "minute": 36}
